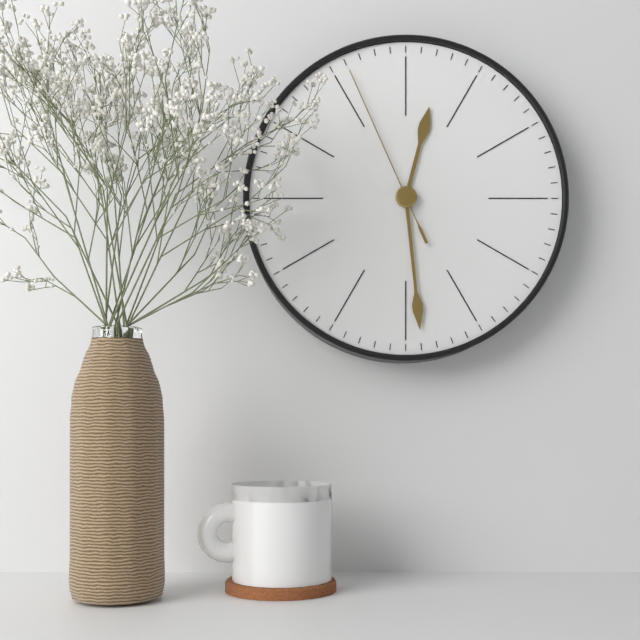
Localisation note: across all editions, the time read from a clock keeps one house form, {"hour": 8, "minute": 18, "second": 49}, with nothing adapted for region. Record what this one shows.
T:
{"hour": 12, "minute": 29, "second": 56}
